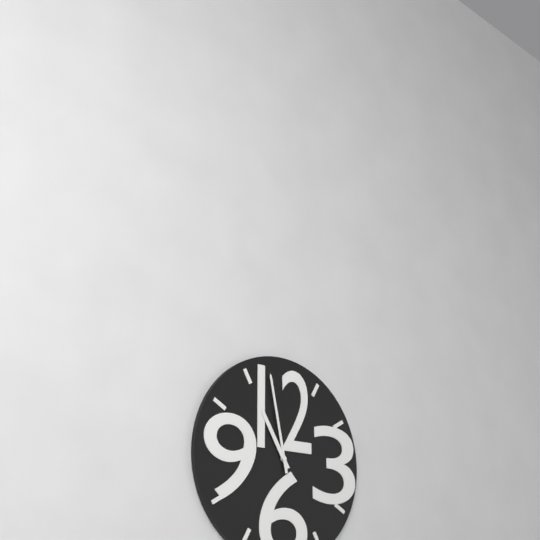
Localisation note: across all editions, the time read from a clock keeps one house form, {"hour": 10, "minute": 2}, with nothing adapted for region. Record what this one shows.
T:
{"hour": 10, "minute": 58}
